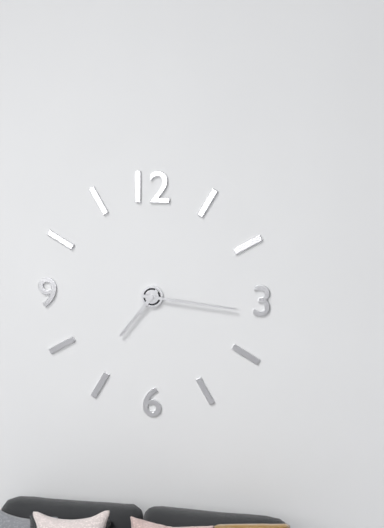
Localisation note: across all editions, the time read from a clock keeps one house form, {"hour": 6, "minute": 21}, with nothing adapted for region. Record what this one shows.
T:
{"hour": 7, "minute": 16}
